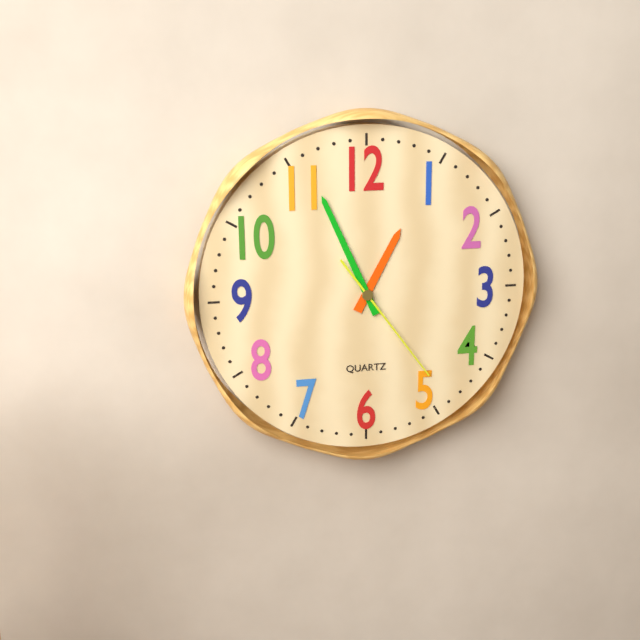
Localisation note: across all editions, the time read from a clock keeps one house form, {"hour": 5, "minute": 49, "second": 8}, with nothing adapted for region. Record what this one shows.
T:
{"hour": 12, "minute": 56, "second": 24}
